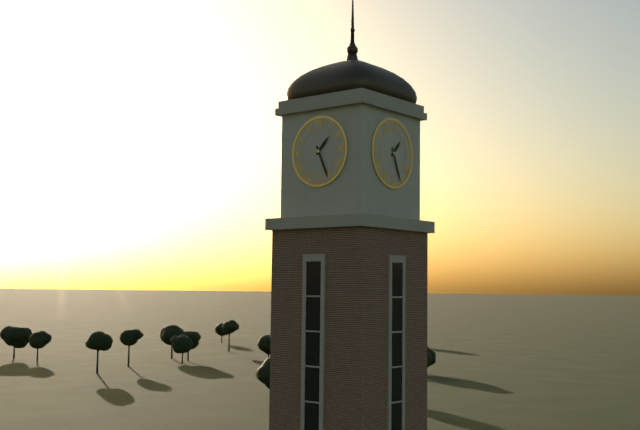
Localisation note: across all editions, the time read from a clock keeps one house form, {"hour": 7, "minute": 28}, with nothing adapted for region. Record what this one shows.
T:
{"hour": 1, "minute": 26}
